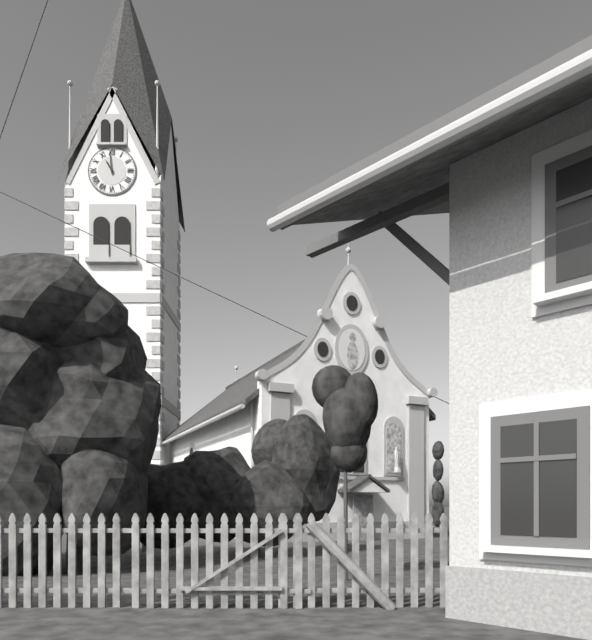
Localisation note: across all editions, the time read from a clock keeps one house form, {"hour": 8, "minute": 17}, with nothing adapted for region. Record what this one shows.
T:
{"hour": 10, "minute": 59}
